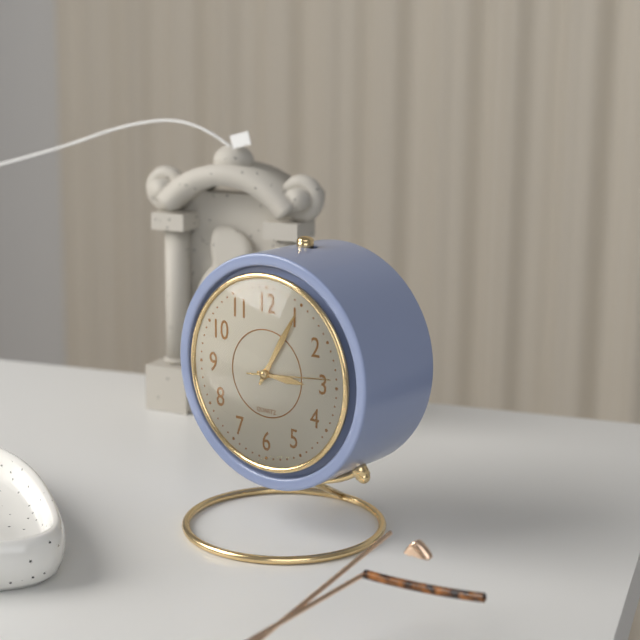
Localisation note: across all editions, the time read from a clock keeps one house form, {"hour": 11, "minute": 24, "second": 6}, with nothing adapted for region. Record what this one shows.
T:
{"hour": 3, "minute": 5, "second": 14}
